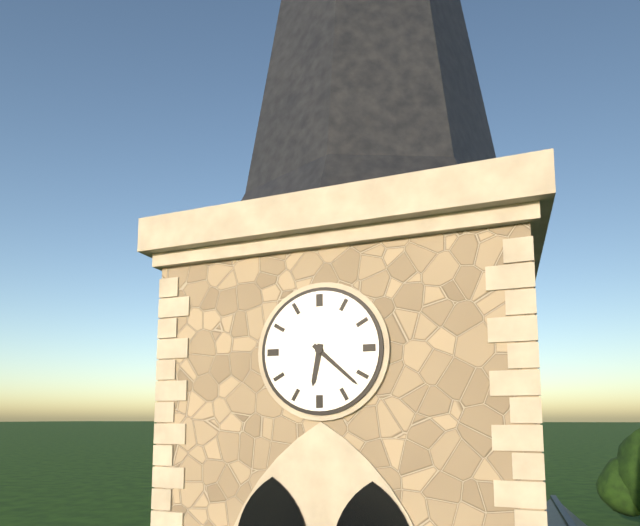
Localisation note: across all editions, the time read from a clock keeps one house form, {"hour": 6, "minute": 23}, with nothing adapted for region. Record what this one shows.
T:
{"hour": 6, "minute": 22}
